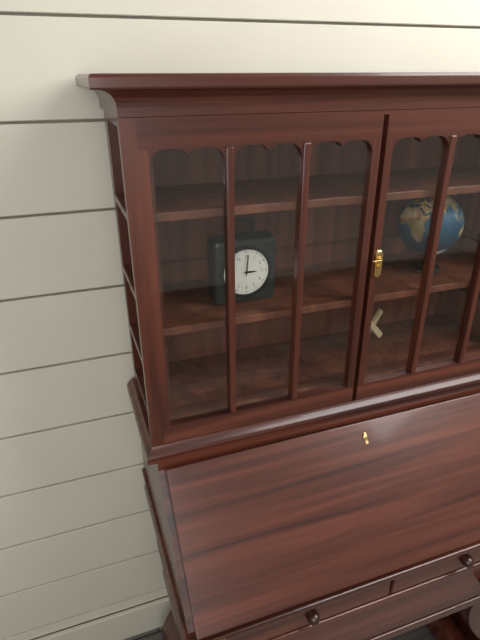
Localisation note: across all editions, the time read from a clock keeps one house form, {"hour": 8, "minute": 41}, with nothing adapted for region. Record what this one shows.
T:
{"hour": 3, "minute": 1}
